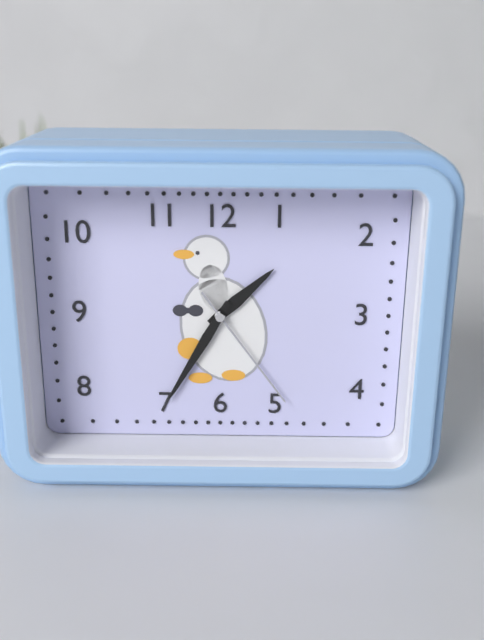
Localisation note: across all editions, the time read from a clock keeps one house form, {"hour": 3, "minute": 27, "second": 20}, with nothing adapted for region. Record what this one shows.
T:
{"hour": 1, "minute": 35, "second": 24}
